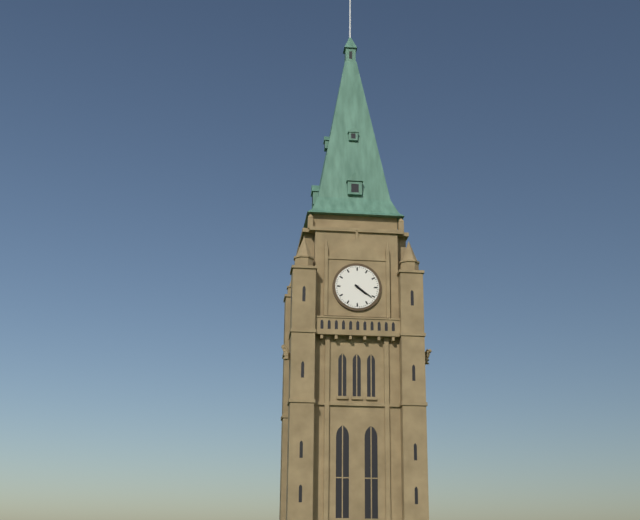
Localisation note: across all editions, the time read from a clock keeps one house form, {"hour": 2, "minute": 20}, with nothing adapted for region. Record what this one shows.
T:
{"hour": 4, "minute": 21}
